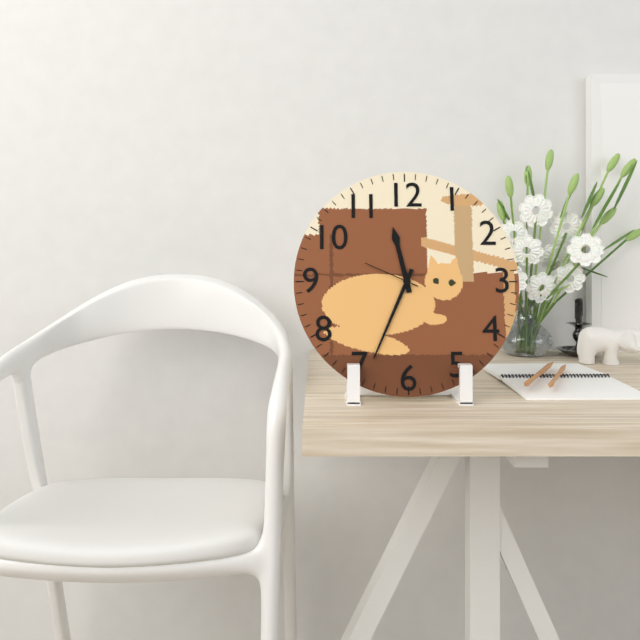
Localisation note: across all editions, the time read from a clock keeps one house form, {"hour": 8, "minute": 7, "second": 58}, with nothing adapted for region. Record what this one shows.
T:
{"hour": 11, "minute": 34, "second": 49}
